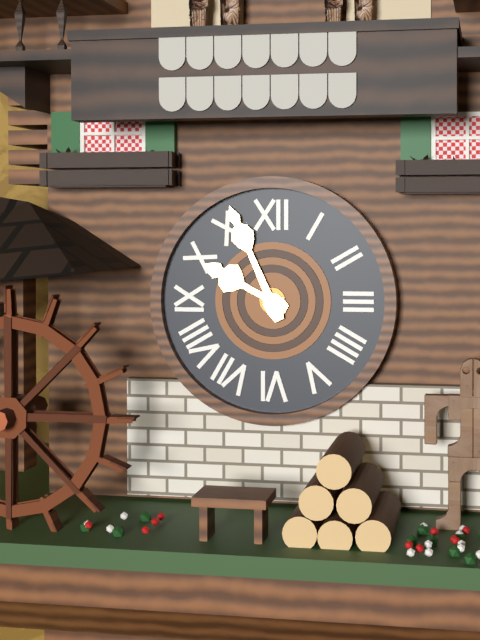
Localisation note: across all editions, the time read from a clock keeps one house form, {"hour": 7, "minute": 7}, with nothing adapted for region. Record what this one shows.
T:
{"hour": 9, "minute": 56}
